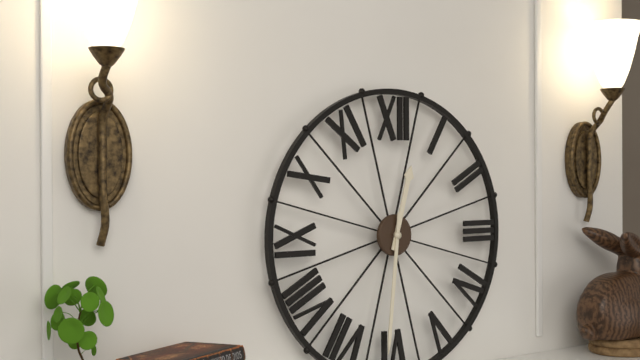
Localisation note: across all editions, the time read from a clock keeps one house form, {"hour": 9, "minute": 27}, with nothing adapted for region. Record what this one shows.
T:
{"hour": 12, "minute": 31}
